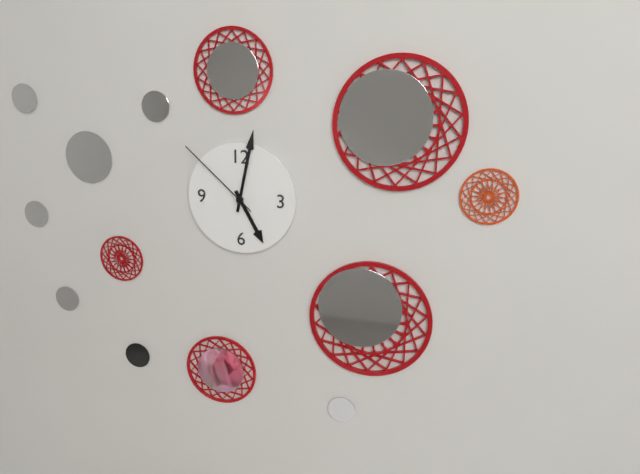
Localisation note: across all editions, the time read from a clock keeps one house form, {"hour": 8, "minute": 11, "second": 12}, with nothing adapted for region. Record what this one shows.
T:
{"hour": 5, "minute": 2, "second": 52}
